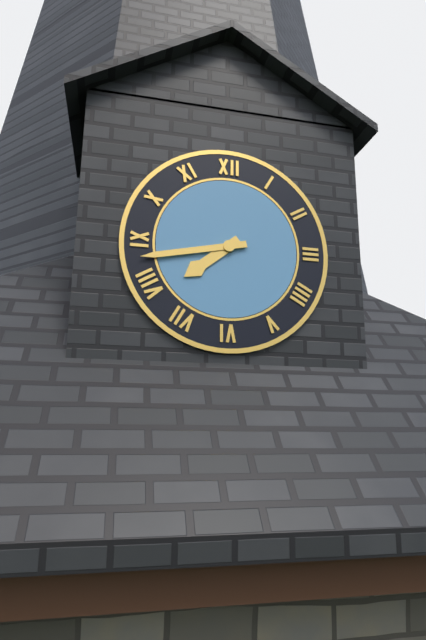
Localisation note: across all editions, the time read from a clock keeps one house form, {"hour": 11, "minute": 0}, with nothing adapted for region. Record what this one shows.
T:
{"hour": 7, "minute": 43}
